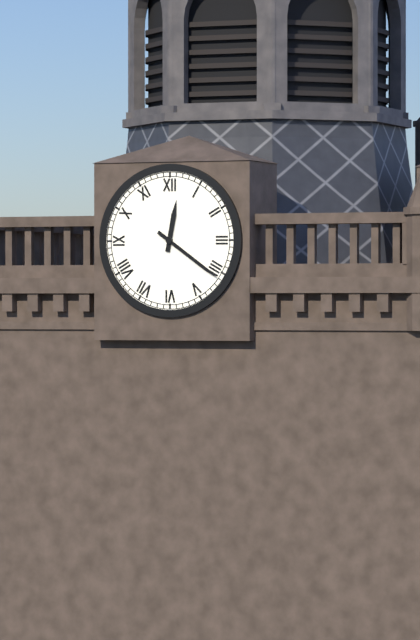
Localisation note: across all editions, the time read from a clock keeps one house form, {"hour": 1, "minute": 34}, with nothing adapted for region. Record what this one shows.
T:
{"hour": 12, "minute": 21}
